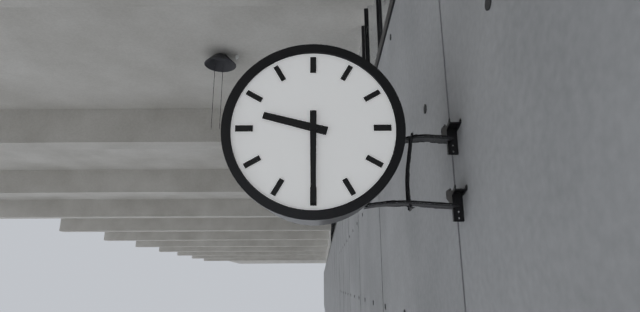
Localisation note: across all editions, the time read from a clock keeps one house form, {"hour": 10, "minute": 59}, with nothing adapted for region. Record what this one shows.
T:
{"hour": 9, "minute": 30}
